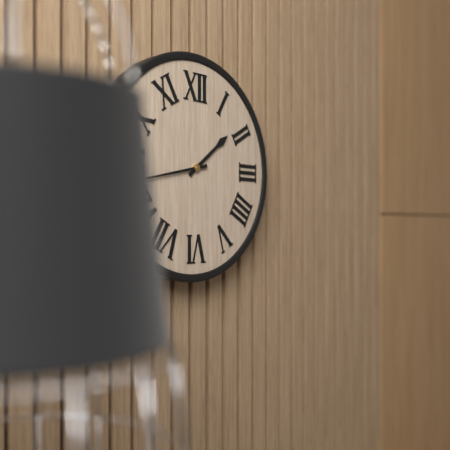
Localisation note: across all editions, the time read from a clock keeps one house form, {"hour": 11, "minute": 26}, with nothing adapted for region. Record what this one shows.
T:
{"hour": 1, "minute": 43}
